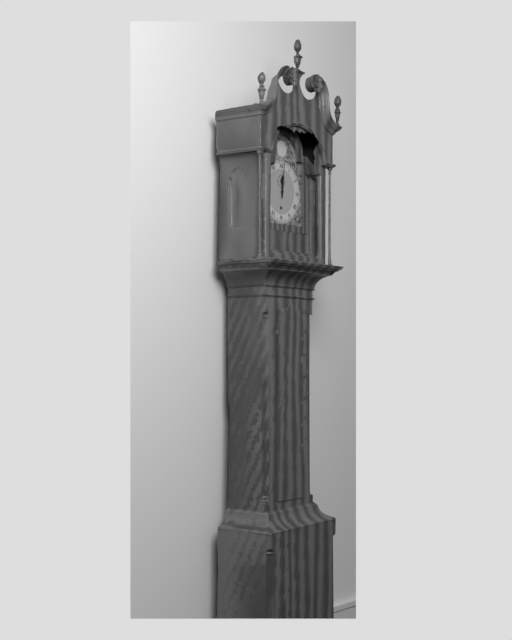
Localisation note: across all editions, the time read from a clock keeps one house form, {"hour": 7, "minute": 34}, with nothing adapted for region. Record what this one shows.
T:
{"hour": 12, "minute": 1}
